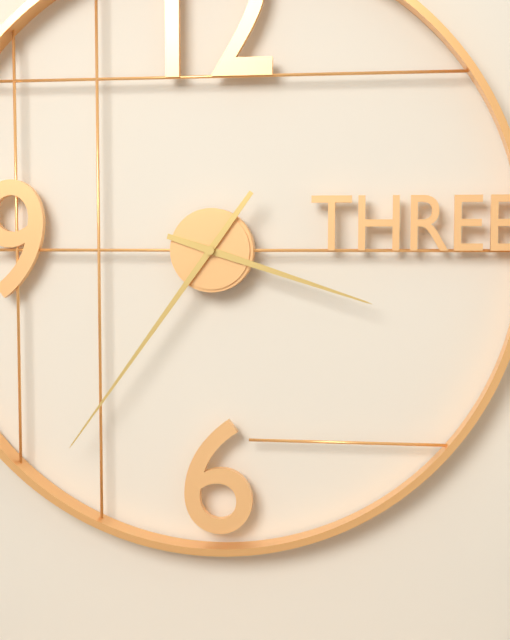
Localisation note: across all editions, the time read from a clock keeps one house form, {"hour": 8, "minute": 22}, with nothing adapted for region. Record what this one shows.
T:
{"hour": 3, "minute": 36}
